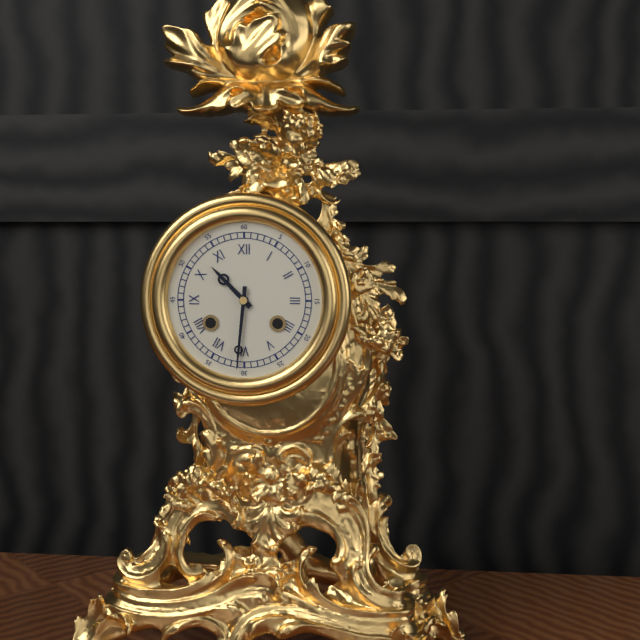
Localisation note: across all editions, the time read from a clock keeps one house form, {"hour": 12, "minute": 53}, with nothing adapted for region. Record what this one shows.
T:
{"hour": 10, "minute": 31}
